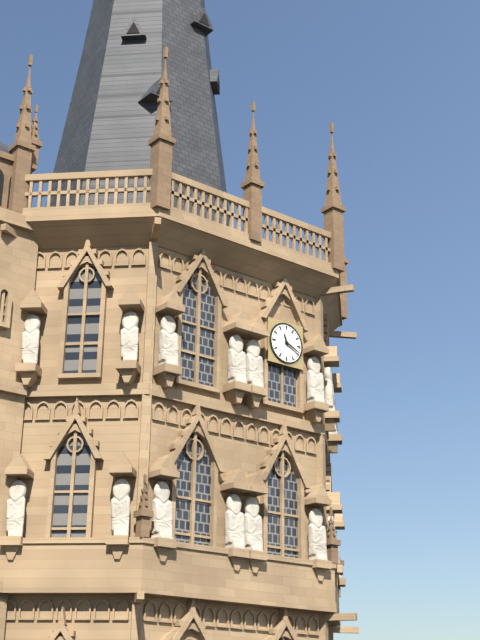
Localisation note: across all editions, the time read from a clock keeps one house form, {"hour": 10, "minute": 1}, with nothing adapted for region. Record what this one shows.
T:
{"hour": 11, "minute": 19}
